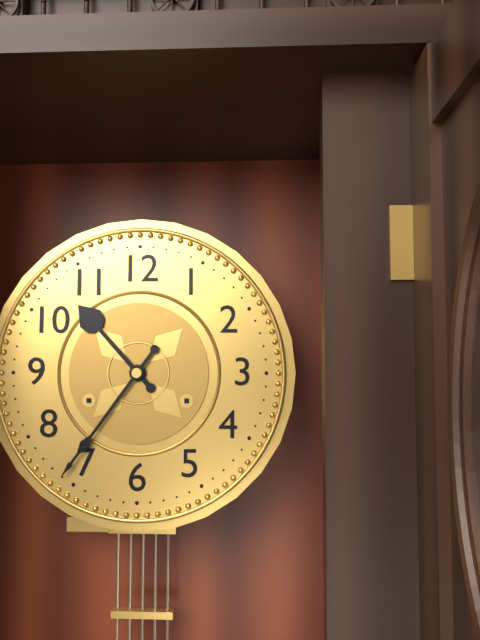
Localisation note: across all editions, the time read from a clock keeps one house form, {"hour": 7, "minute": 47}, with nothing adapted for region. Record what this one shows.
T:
{"hour": 10, "minute": 36}
